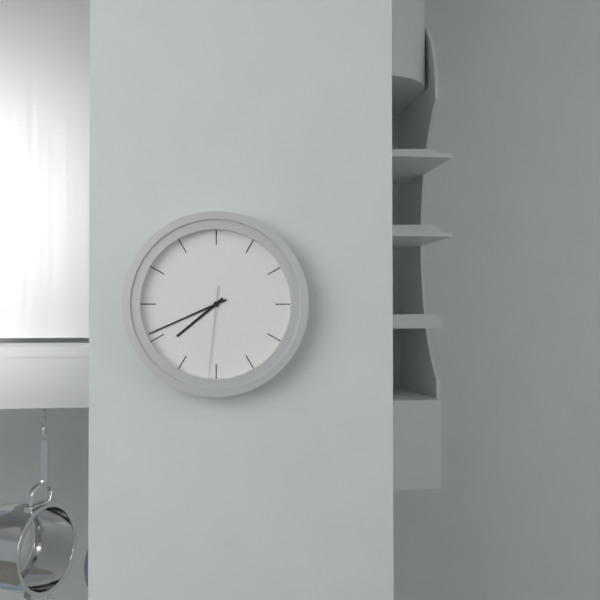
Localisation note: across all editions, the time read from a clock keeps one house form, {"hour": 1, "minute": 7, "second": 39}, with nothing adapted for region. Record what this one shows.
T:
{"hour": 7, "minute": 41, "second": 31}
